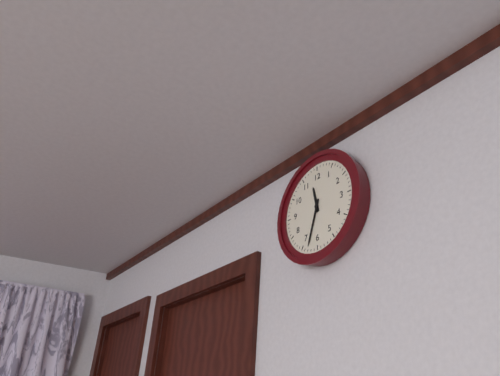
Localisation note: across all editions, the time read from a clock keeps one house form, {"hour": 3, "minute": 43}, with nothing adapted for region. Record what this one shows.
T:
{"hour": 11, "minute": 33}
